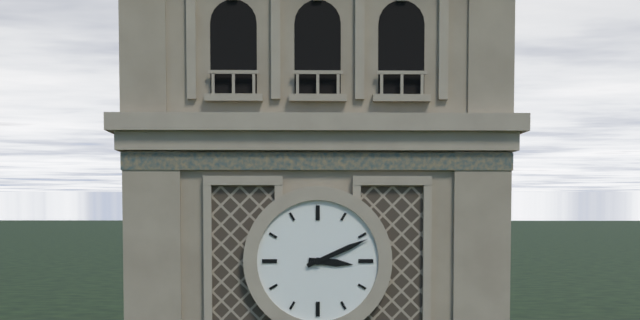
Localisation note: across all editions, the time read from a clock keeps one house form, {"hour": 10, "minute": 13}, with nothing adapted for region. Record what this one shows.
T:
{"hour": 3, "minute": 11}
